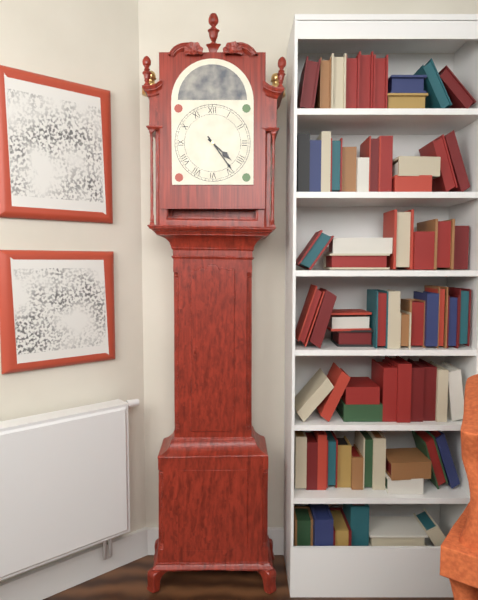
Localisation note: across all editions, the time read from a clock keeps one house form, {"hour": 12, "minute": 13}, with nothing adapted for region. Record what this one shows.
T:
{"hour": 4, "minute": 24}
